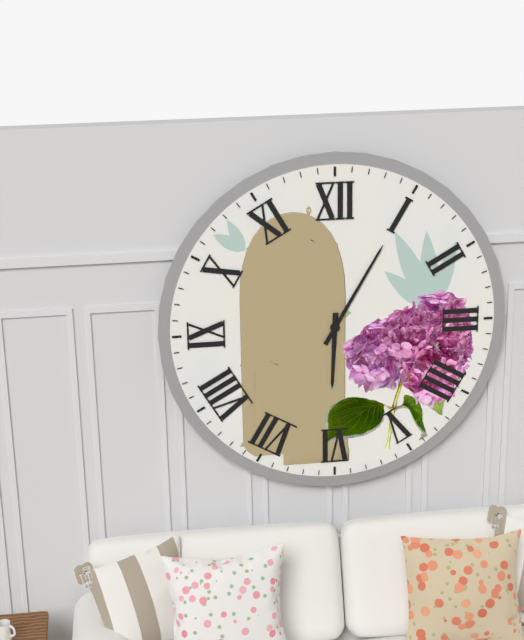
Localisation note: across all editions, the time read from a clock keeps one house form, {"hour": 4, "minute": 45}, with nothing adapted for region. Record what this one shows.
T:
{"hour": 6, "minute": 5}
